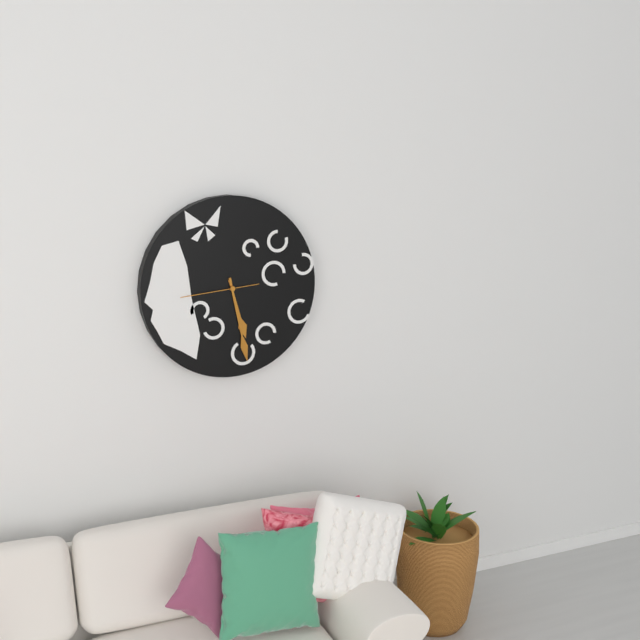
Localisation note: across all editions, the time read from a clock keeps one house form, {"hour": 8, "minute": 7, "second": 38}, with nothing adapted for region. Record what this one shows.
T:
{"hour": 5, "minute": 28, "second": 44}
